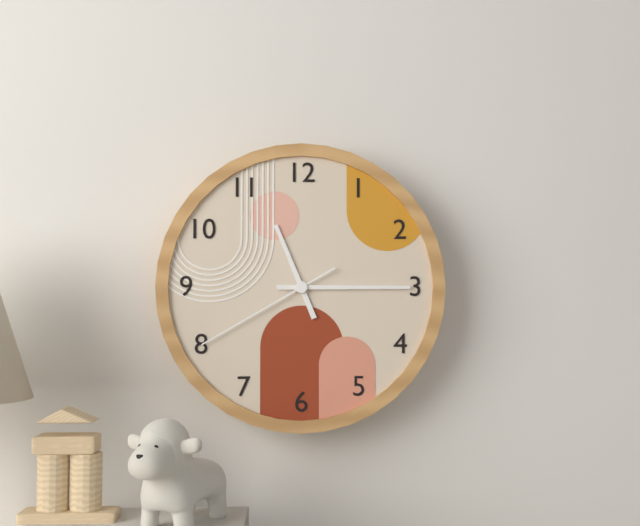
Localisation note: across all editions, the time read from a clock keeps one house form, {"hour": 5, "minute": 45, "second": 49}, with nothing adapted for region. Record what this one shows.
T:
{"hour": 11, "minute": 15, "second": 40}
